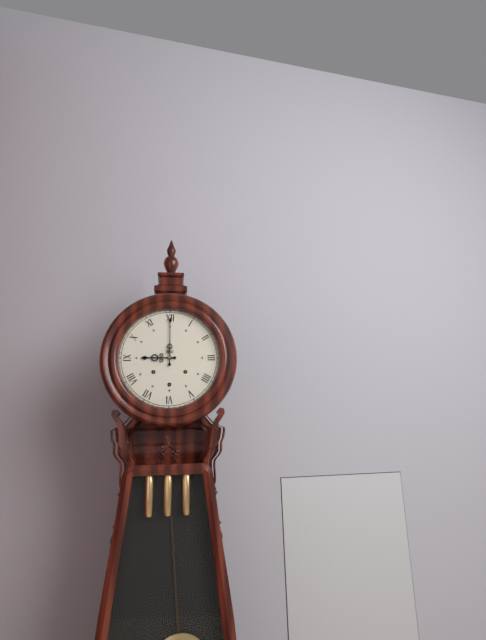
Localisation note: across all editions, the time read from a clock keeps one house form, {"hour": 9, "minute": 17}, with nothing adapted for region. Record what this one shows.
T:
{"hour": 9, "minute": 0}
